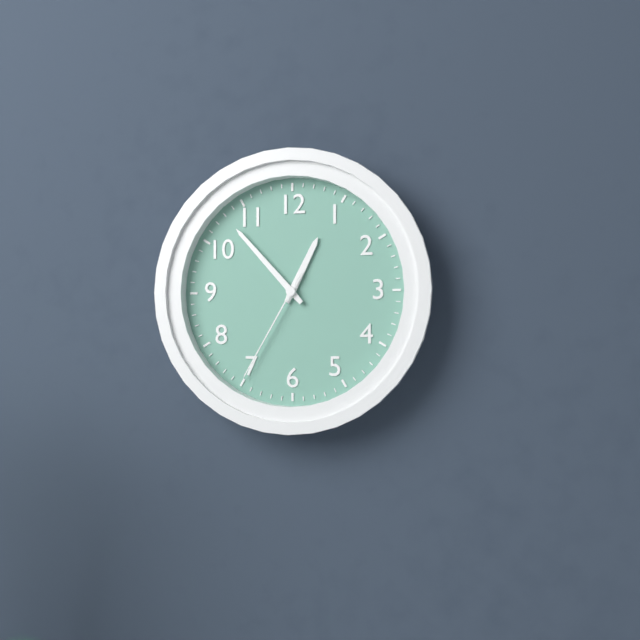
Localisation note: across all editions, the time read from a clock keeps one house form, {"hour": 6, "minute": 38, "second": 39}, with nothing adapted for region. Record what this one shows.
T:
{"hour": 12, "minute": 53, "second": 35}
